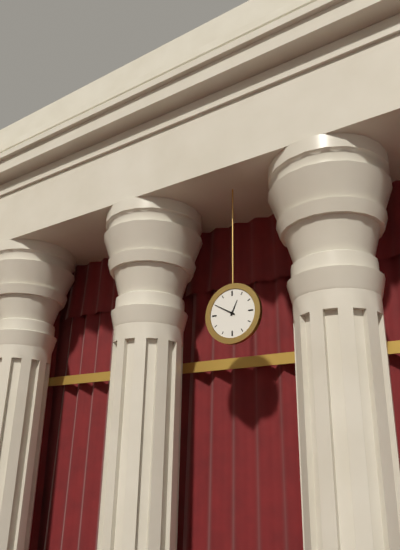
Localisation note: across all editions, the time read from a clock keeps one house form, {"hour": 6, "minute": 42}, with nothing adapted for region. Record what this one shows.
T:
{"hour": 12, "minute": 50}
